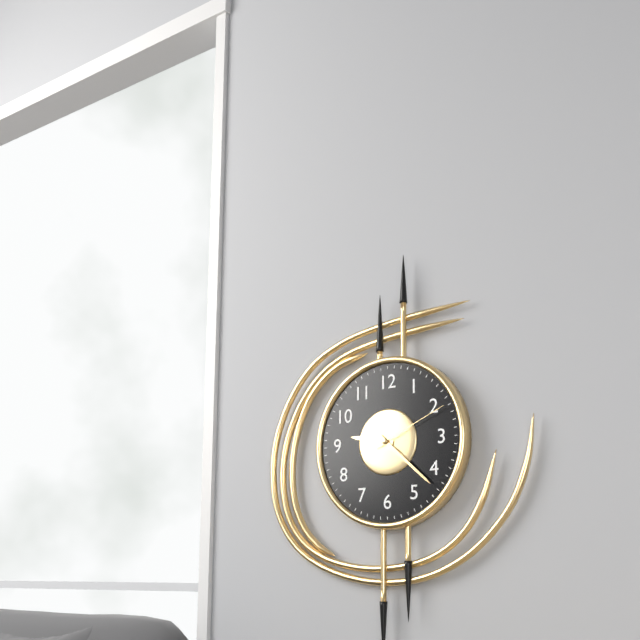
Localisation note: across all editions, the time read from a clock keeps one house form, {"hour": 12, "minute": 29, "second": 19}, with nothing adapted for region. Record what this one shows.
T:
{"hour": 9, "minute": 22, "second": 11}
